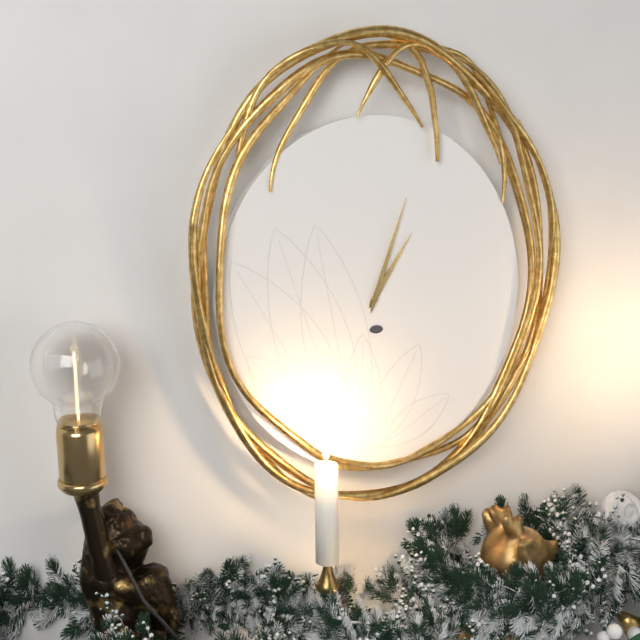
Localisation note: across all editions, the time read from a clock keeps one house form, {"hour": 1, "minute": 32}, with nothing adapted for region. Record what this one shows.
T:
{"hour": 1, "minute": 3}
